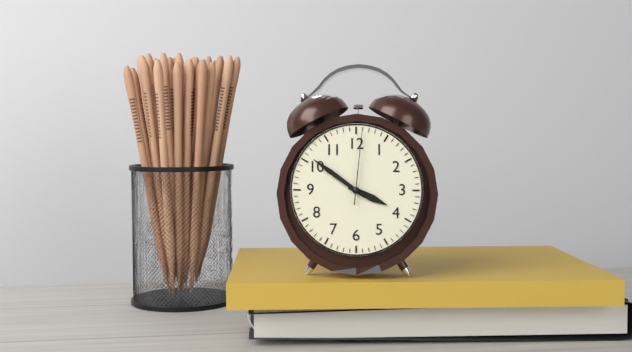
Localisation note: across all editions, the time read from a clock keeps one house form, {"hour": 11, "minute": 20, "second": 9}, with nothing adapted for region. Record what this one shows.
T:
{"hour": 3, "minute": 51, "second": 1}
